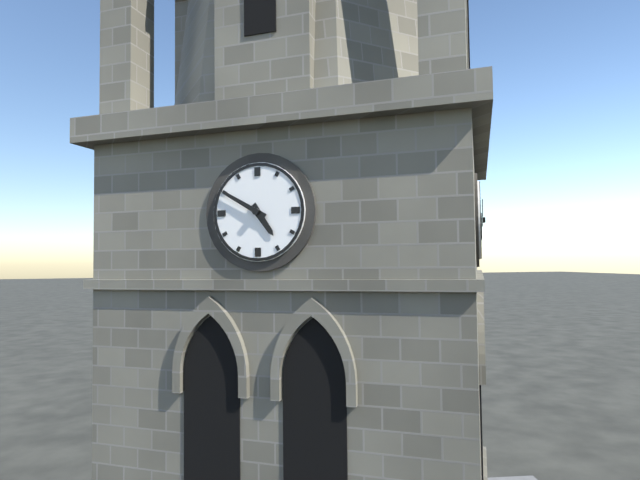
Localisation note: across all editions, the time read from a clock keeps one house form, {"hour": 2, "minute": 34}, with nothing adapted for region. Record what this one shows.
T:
{"hour": 4, "minute": 50}
